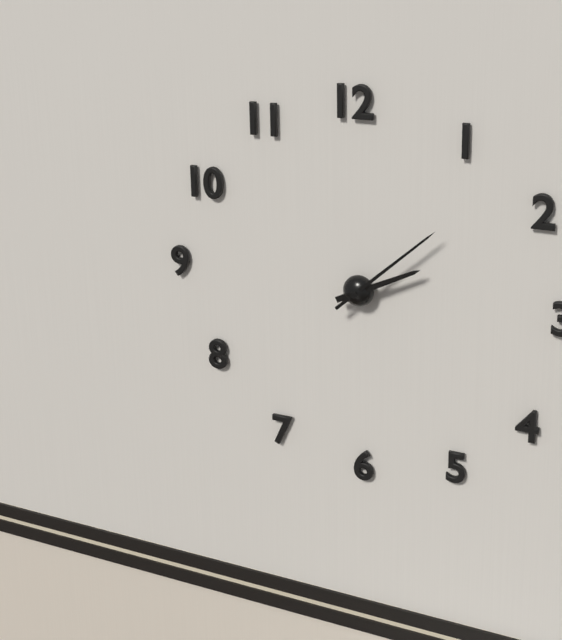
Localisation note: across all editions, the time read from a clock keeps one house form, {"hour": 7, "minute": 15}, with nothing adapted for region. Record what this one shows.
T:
{"hour": 2, "minute": 8}
